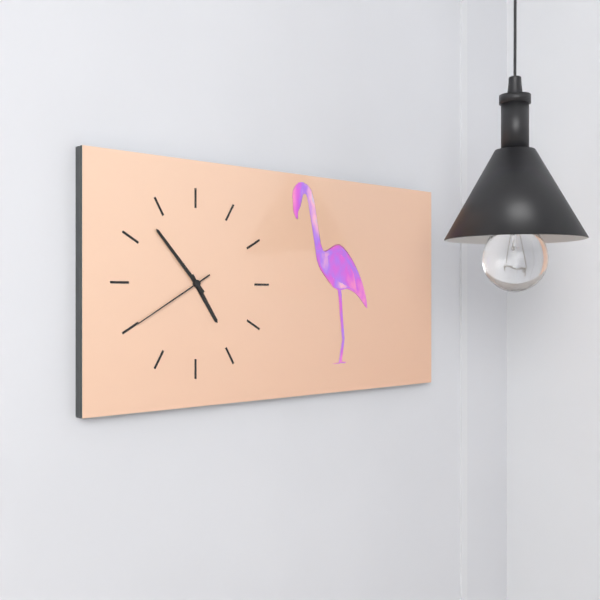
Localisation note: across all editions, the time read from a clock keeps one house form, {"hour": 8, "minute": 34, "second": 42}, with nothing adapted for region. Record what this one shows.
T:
{"hour": 4, "minute": 53, "second": 40}
